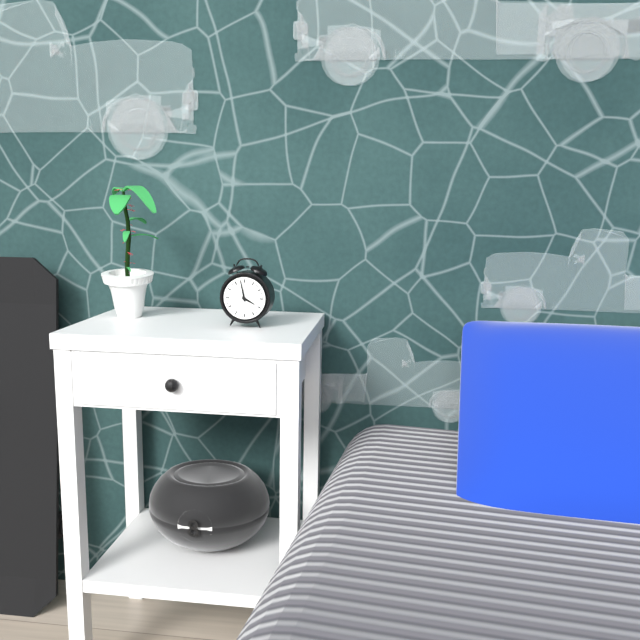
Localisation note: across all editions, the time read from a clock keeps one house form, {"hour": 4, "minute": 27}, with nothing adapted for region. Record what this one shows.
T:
{"hour": 3, "minute": 58}
